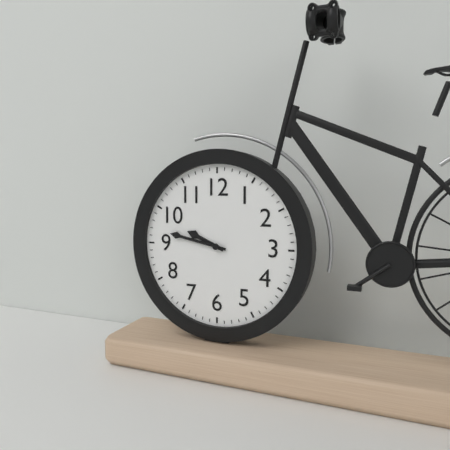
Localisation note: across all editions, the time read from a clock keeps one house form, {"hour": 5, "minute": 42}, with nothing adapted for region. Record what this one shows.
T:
{"hour": 9, "minute": 47}
